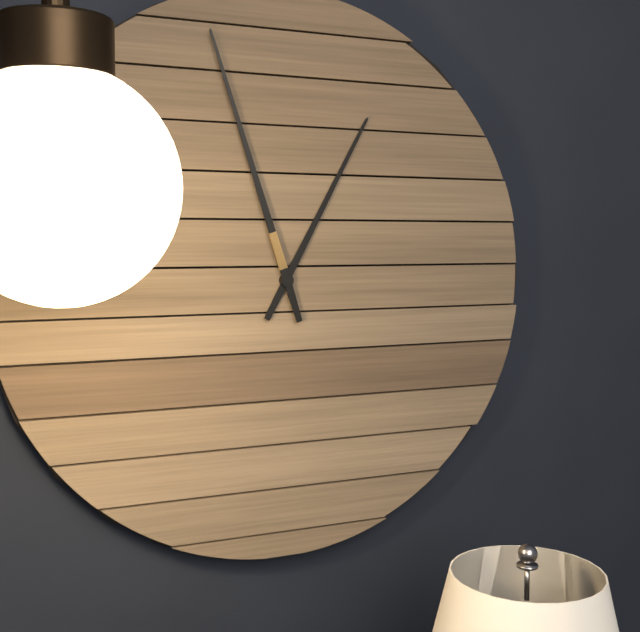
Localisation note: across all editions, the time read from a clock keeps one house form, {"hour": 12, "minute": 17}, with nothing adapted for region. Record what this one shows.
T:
{"hour": 12, "minute": 57}
